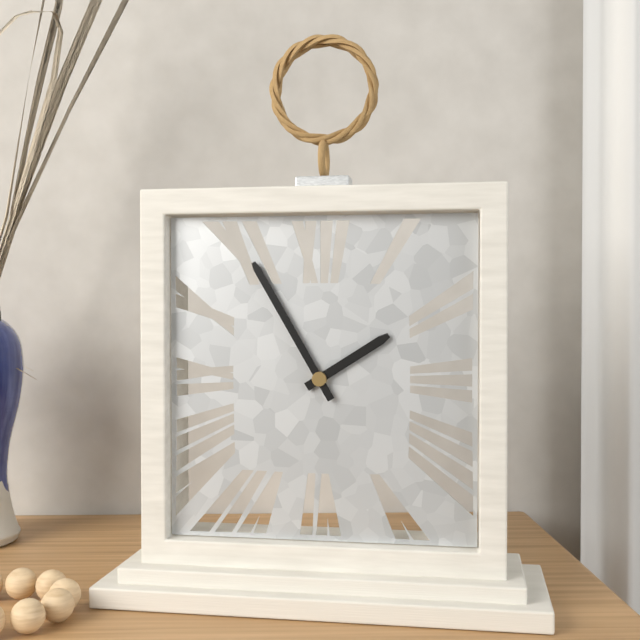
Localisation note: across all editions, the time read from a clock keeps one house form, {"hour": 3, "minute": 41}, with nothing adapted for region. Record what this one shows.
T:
{"hour": 1, "minute": 55}
